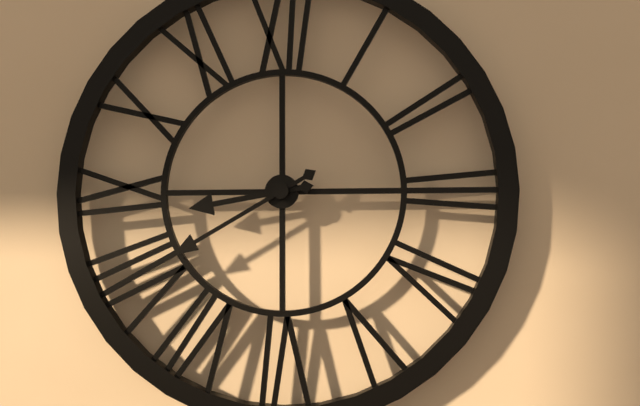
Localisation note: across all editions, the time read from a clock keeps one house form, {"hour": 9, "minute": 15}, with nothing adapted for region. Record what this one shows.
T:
{"hour": 8, "minute": 40}
